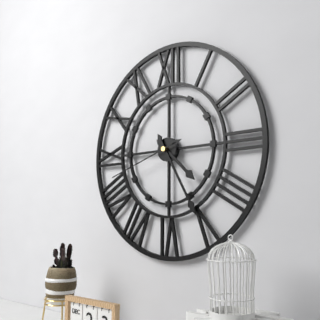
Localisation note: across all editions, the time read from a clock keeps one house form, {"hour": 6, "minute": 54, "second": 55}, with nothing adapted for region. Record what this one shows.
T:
{"hour": 4, "minute": 25, "second": 42}
